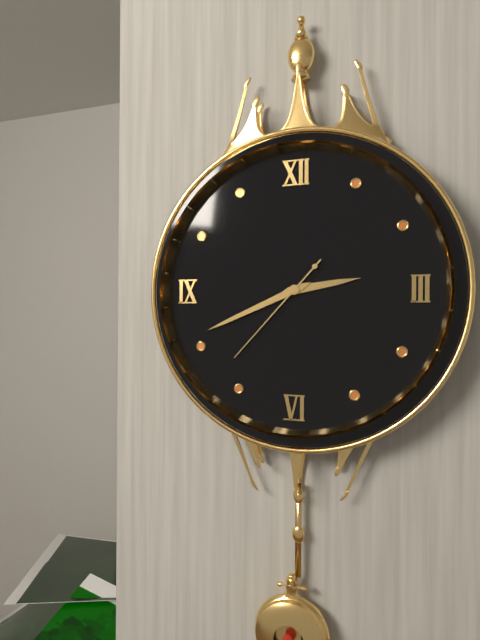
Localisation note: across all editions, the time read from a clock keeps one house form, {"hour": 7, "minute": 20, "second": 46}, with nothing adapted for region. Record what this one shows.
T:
{"hour": 2, "minute": 41, "second": 37}
